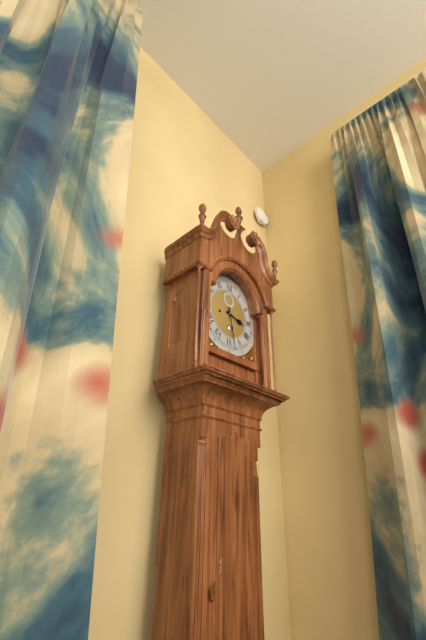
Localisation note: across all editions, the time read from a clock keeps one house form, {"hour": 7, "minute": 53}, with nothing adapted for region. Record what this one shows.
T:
{"hour": 3, "minute": 28}
